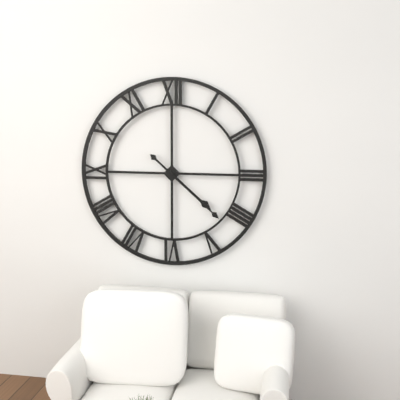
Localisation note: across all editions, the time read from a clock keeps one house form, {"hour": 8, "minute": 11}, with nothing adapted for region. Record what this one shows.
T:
{"hour": 4, "minute": 22}
